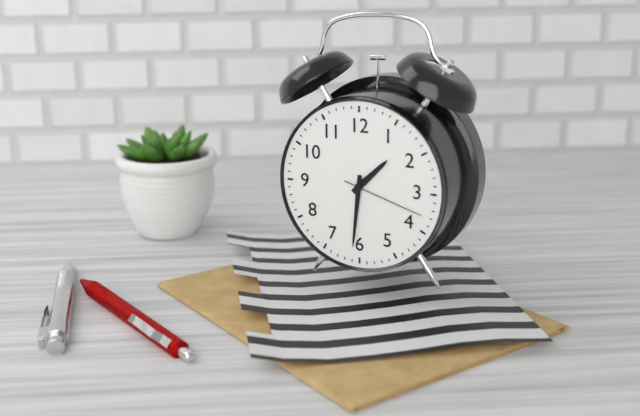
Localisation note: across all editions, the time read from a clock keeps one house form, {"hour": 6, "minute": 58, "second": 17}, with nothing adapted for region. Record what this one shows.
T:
{"hour": 1, "minute": 31, "second": 18}
